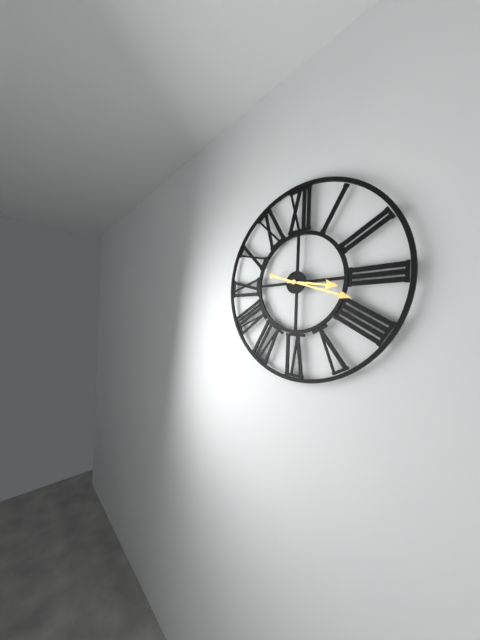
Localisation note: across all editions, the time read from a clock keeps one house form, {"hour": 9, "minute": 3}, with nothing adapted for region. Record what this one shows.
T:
{"hour": 3, "minute": 18}
